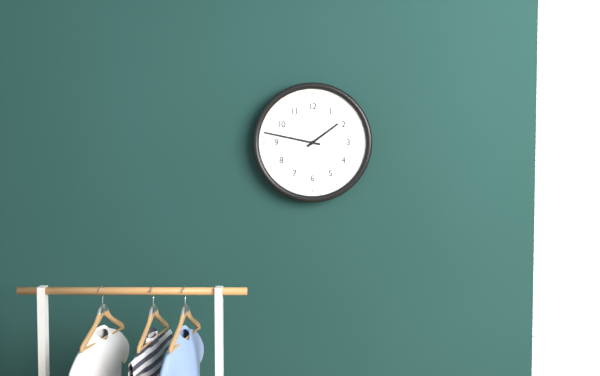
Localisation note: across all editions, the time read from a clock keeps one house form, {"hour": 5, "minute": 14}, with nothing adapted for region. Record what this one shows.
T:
{"hour": 1, "minute": 47}
